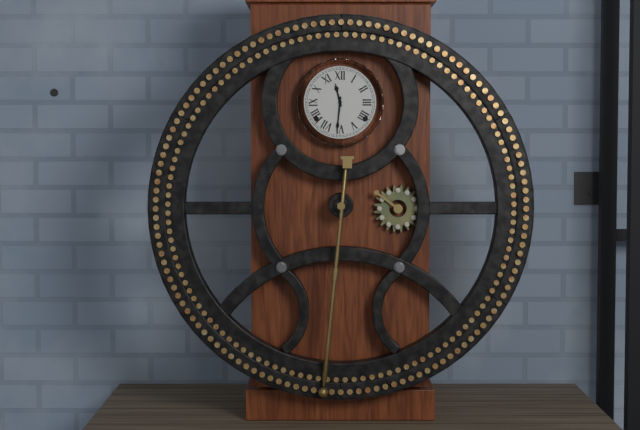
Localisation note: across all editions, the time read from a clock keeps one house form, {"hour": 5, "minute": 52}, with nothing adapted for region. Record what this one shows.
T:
{"hour": 11, "minute": 31}
